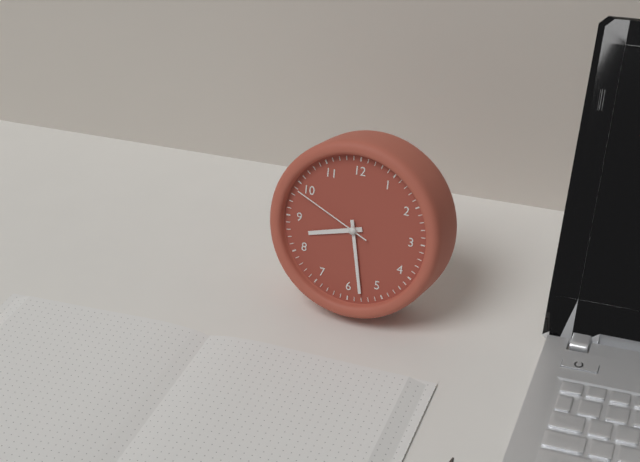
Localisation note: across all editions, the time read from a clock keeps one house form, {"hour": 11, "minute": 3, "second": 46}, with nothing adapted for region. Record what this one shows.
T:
{"hour": 8, "minute": 28, "second": 49}
